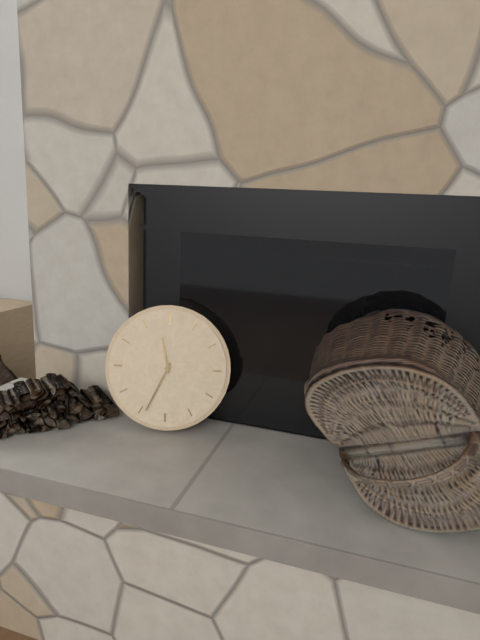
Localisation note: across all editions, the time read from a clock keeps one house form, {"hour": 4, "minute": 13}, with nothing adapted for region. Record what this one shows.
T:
{"hour": 11, "minute": 34}
